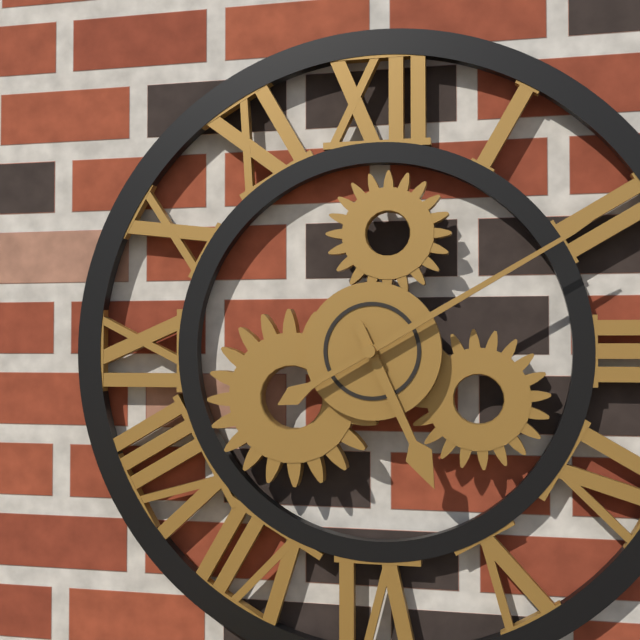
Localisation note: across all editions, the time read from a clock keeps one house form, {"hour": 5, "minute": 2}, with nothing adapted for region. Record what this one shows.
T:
{"hour": 5, "minute": 10}
